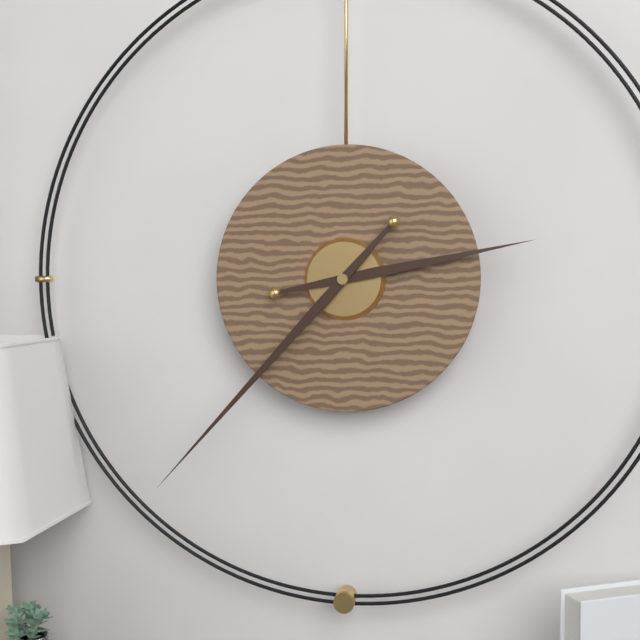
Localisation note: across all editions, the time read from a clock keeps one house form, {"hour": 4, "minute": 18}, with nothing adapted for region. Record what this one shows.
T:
{"hour": 2, "minute": 37}
